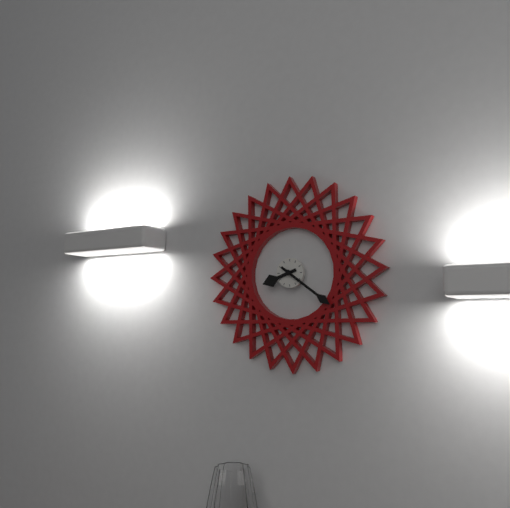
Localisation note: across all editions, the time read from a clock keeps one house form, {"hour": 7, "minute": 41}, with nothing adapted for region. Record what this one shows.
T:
{"hour": 8, "minute": 21}
